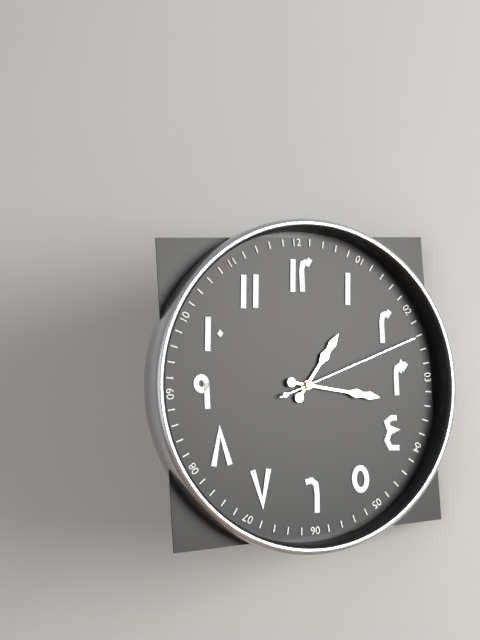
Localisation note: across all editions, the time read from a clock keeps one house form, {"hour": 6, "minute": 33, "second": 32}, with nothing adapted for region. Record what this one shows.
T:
{"hour": 1, "minute": 17, "second": 12}
